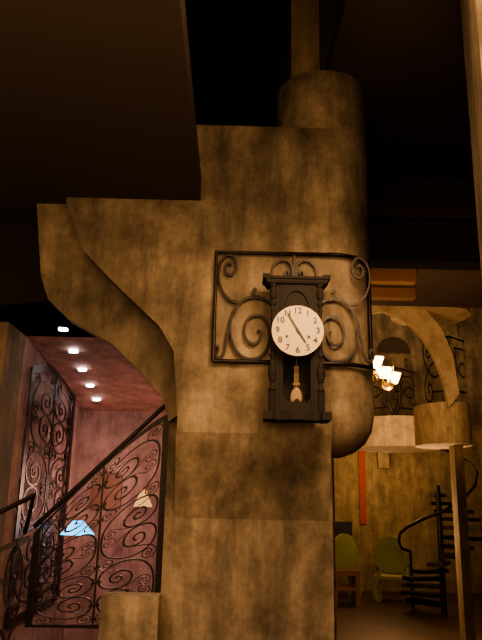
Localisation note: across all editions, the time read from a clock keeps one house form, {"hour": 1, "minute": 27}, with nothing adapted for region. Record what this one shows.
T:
{"hour": 4, "minute": 55}
